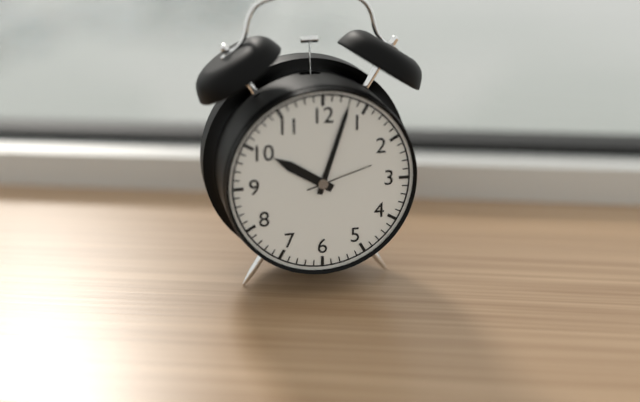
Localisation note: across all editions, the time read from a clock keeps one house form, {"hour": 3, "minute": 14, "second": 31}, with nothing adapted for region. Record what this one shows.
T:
{"hour": 10, "minute": 3, "second": 12}
